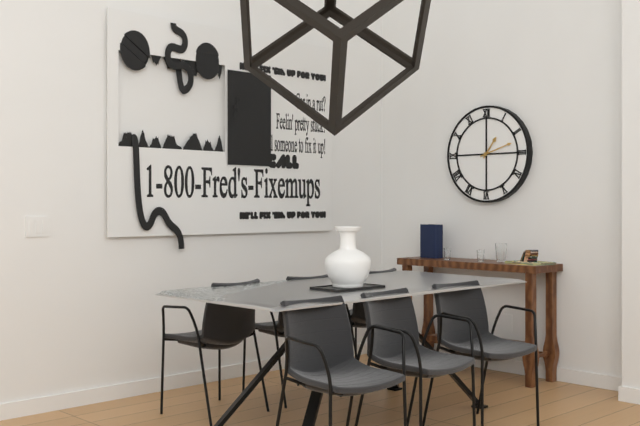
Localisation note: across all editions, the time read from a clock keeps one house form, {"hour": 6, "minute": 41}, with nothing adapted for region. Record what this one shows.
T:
{"hour": 1, "minute": 12}
